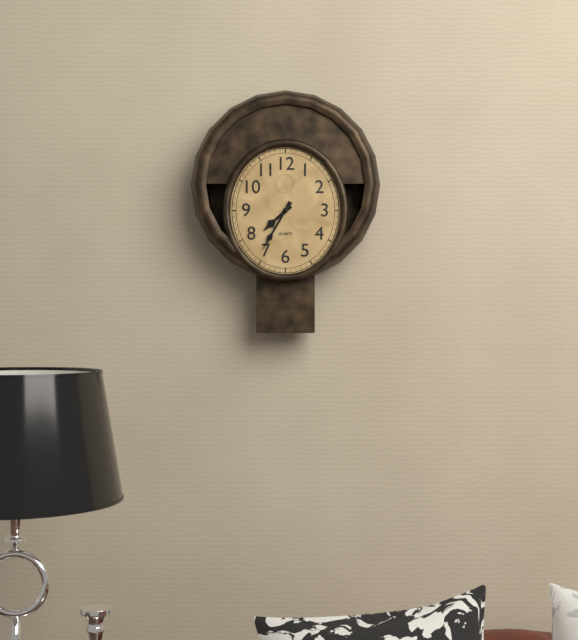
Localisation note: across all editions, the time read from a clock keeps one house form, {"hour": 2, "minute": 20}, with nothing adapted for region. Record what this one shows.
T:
{"hour": 7, "minute": 35}
